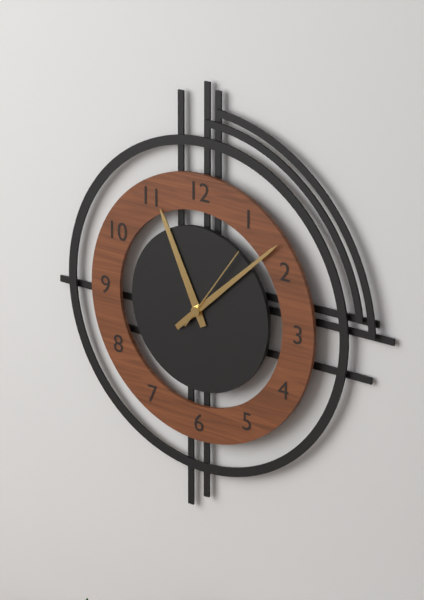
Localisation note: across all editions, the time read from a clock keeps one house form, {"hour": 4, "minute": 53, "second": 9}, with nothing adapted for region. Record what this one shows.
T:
{"hour": 11, "minute": 8, "second": 6}
